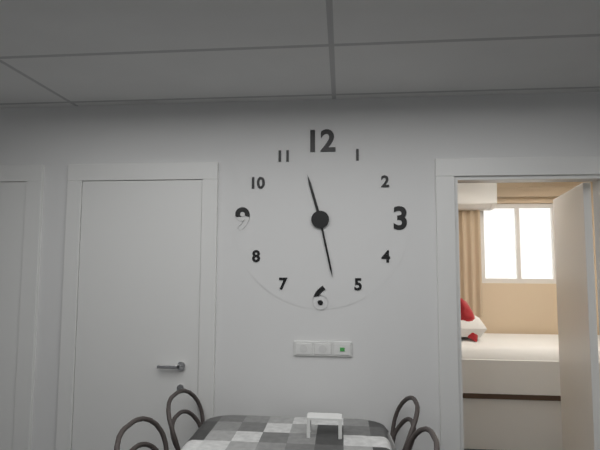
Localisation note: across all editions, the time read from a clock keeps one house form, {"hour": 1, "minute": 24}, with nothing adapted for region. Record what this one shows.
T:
{"hour": 11, "minute": 28}
